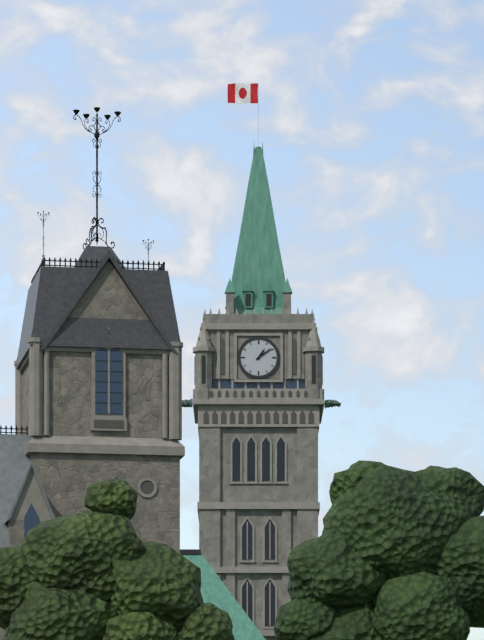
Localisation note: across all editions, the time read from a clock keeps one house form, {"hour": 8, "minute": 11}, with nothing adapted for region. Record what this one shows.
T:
{"hour": 1, "minute": 9}
